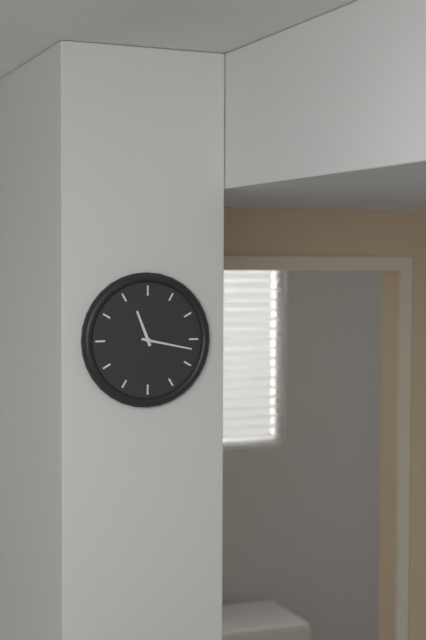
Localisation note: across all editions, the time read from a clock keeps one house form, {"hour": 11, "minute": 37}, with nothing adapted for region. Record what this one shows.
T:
{"hour": 11, "minute": 17}
